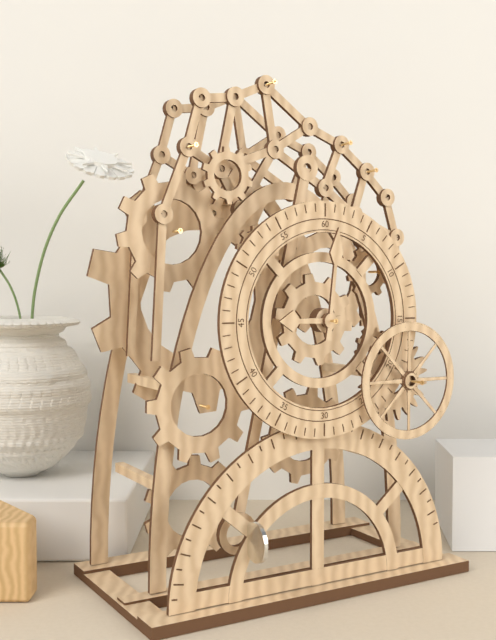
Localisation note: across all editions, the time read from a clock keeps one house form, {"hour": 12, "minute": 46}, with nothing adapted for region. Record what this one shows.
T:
{"hour": 9, "minute": 1}
